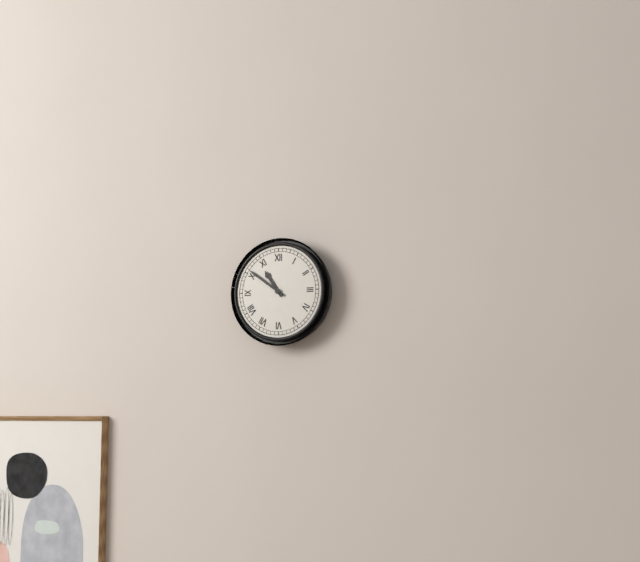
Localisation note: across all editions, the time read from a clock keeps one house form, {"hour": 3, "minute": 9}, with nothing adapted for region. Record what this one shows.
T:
{"hour": 10, "minute": 51}
